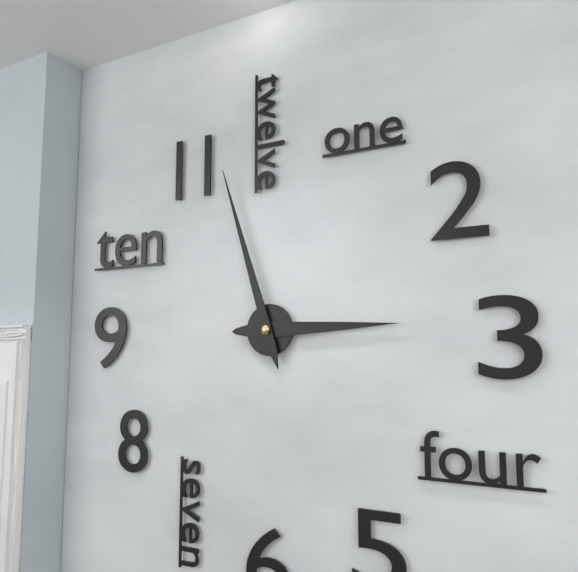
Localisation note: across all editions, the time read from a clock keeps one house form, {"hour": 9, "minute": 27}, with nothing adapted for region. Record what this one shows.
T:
{"hour": 2, "minute": 57}
